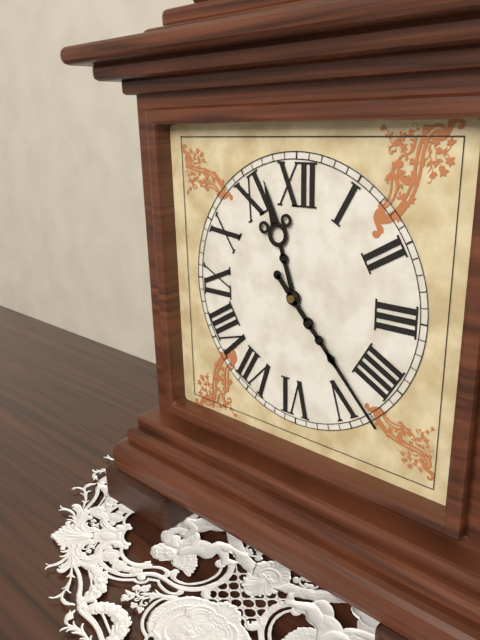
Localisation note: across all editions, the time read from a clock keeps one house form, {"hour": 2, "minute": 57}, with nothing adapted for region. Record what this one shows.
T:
{"hour": 11, "minute": 23}
